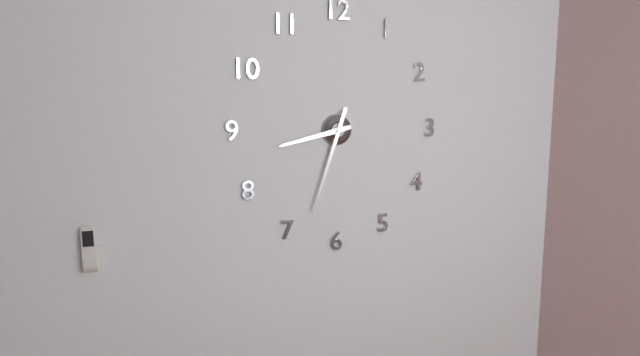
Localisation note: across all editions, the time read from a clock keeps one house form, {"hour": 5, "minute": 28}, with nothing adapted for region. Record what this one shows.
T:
{"hour": 8, "minute": 33}
